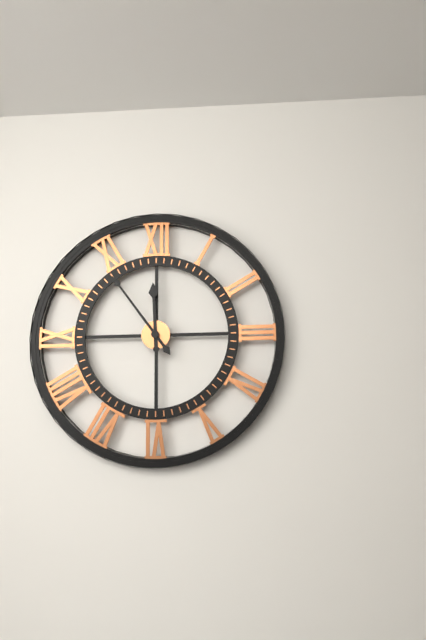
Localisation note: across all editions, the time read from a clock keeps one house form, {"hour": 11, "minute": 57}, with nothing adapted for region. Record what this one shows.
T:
{"hour": 11, "minute": 54}
